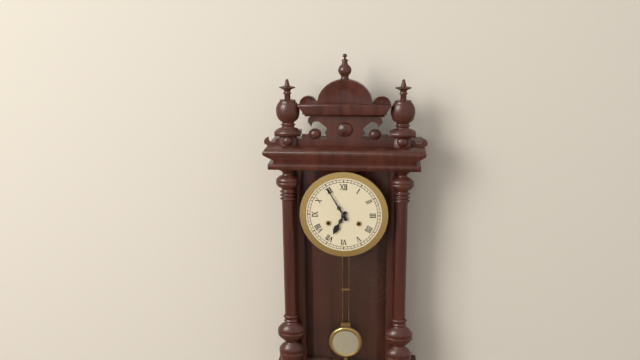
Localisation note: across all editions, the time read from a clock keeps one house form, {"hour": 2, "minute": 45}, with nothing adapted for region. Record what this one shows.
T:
{"hour": 6, "minute": 55}
